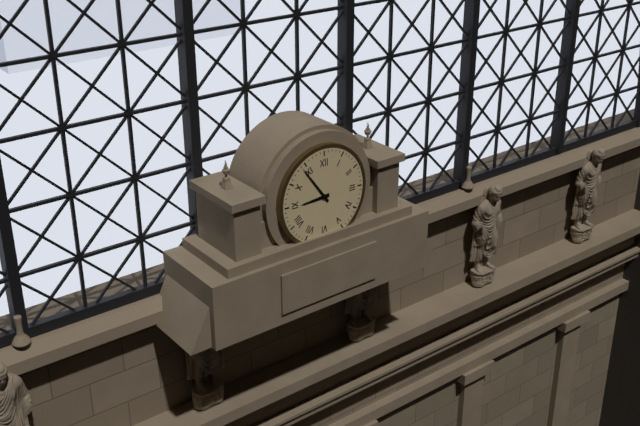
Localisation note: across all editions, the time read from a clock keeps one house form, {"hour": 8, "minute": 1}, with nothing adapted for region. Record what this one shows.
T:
{"hour": 8, "minute": 54}
